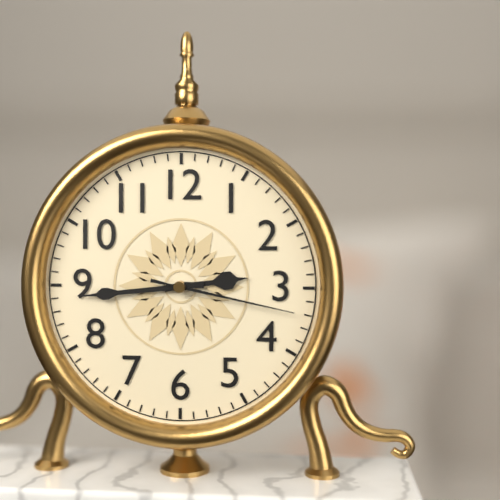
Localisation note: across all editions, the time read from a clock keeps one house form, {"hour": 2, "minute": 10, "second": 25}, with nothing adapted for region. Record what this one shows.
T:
{"hour": 2, "minute": 44, "second": 17}
